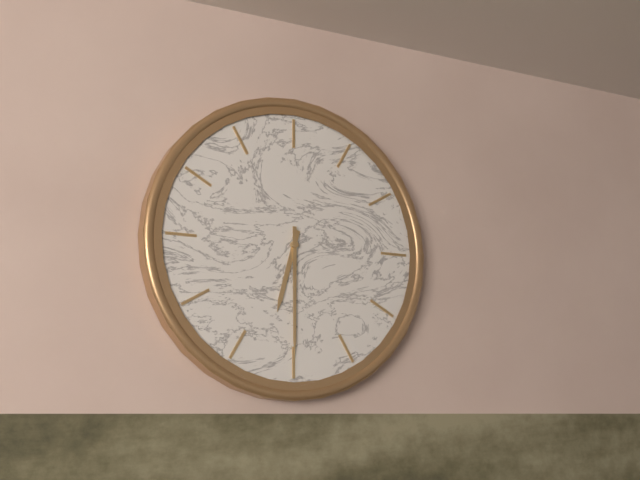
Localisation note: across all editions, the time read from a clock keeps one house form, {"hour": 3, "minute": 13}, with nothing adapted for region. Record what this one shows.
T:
{"hour": 6, "minute": 30}
